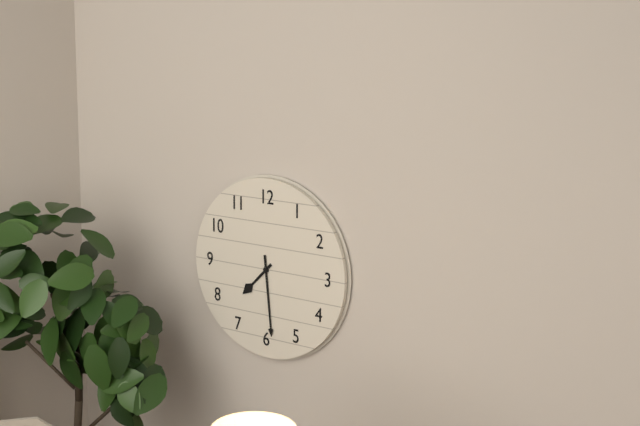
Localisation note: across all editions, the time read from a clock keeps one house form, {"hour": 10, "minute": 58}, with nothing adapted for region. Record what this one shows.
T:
{"hour": 7, "minute": 29}
